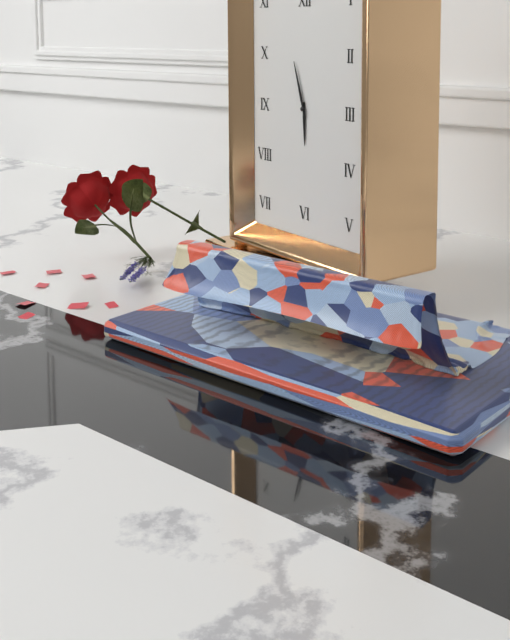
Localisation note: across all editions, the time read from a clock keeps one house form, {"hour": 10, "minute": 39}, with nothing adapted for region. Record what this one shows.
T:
{"hour": 5, "minute": 57}
